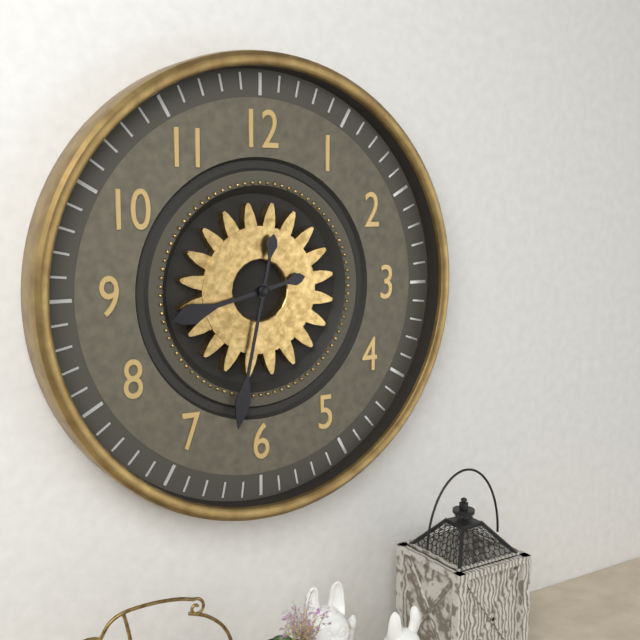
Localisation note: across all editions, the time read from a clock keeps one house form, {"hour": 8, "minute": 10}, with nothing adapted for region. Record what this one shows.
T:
{"hour": 8, "minute": 32}
